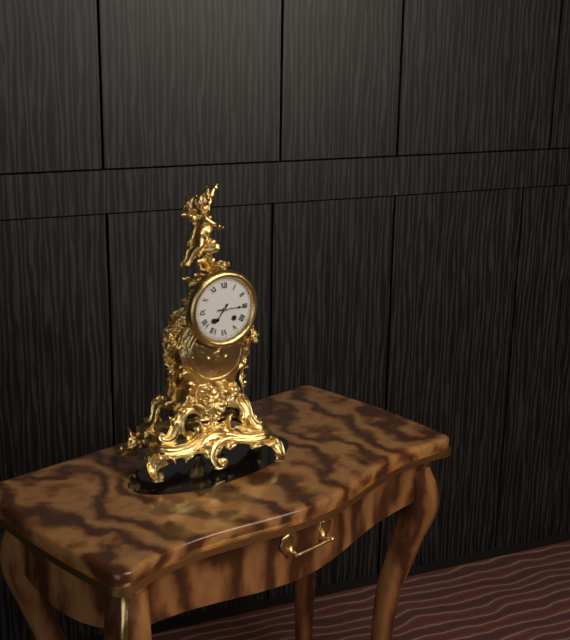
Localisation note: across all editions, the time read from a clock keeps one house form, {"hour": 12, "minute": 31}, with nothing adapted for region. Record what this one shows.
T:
{"hour": 7, "minute": 15}
